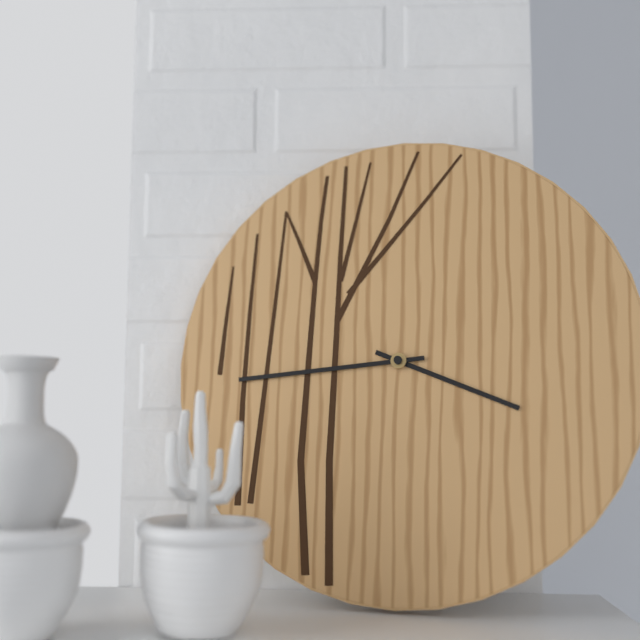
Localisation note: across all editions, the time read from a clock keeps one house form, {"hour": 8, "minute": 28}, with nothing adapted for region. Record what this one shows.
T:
{"hour": 3, "minute": 44}
